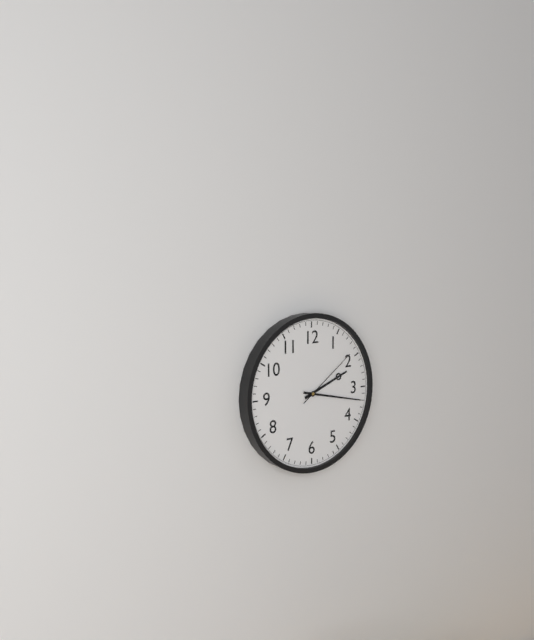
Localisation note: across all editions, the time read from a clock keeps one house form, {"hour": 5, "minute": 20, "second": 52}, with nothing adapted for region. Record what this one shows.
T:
{"hour": 2, "minute": 17, "second": 9}
